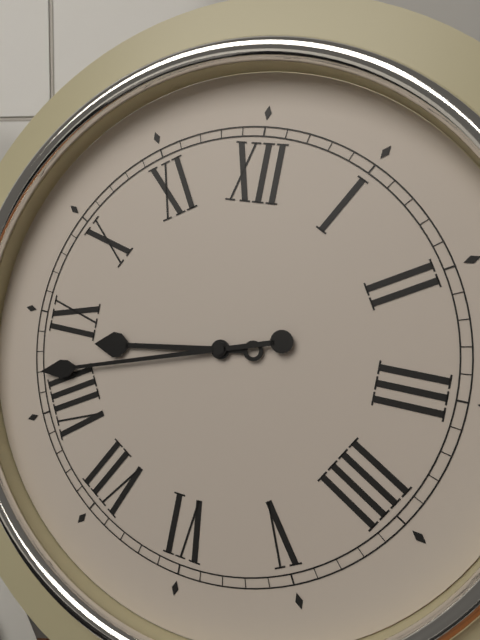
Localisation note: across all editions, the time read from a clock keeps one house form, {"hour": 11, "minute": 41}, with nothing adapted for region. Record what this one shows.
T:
{"hour": 8, "minute": 42}
